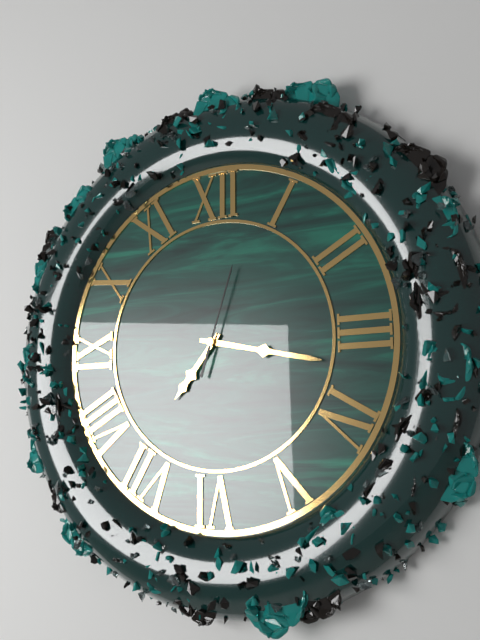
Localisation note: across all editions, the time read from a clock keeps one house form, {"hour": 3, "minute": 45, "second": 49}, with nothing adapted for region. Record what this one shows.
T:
{"hour": 7, "minute": 17, "second": 3}
